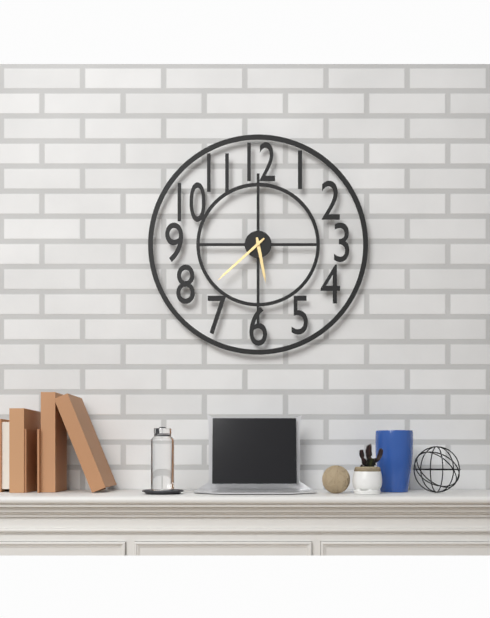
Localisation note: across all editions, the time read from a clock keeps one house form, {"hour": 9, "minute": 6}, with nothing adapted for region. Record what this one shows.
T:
{"hour": 5, "minute": 38}
